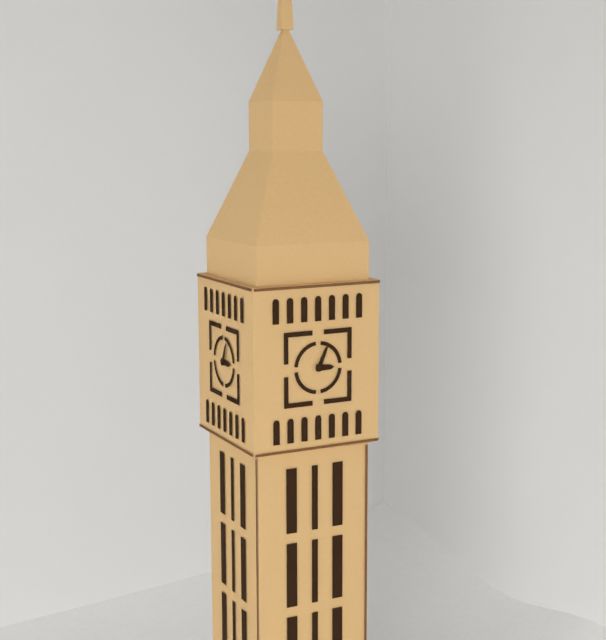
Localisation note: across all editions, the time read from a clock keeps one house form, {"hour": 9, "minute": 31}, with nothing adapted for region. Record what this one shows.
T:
{"hour": 3, "minute": 4}
